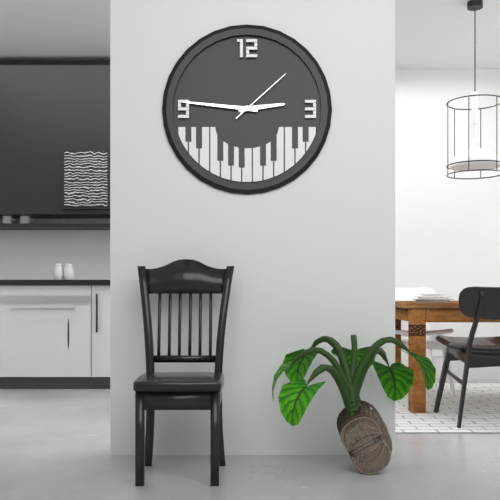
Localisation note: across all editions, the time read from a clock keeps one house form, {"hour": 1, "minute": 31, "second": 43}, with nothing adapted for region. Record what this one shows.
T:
{"hour": 2, "minute": 46, "second": 8}
